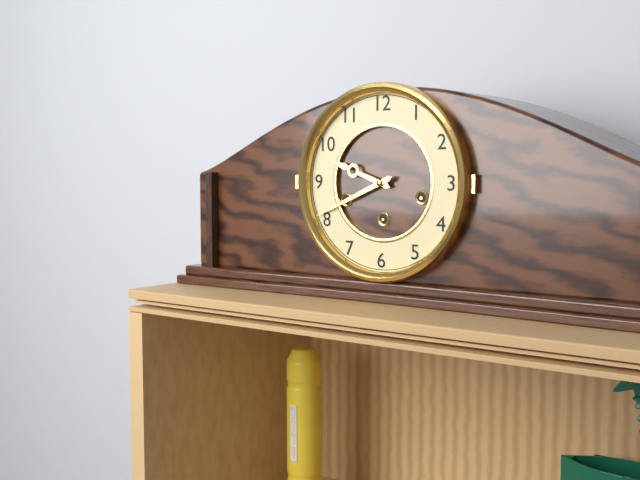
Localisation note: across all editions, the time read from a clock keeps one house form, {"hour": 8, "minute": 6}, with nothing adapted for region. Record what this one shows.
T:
{"hour": 9, "minute": 41}
